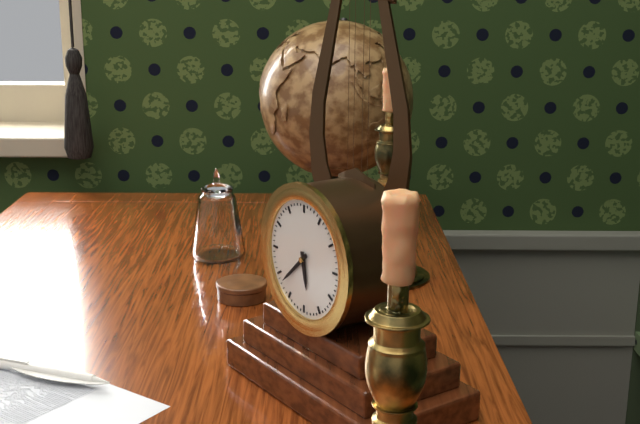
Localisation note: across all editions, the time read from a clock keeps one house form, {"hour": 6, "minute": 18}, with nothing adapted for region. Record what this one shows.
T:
{"hour": 5, "minute": 38}
